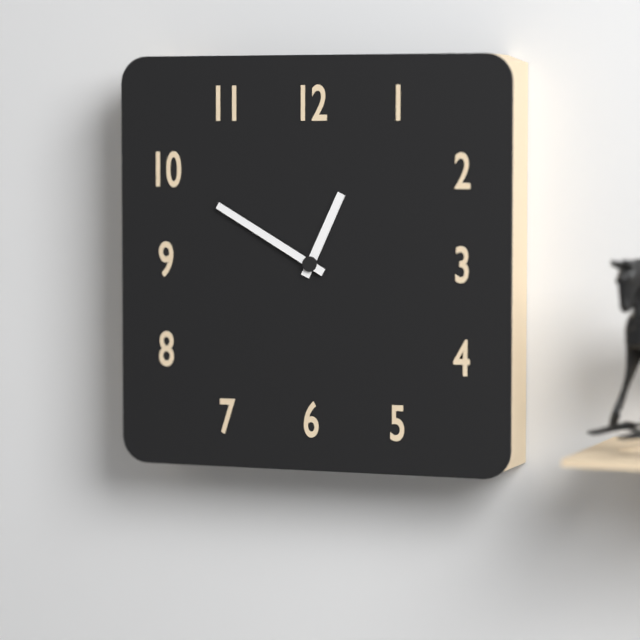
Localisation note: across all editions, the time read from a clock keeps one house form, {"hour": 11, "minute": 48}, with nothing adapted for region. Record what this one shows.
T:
{"hour": 12, "minute": 50}
